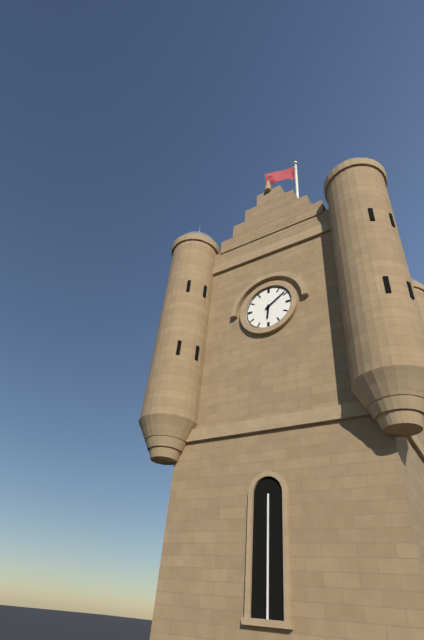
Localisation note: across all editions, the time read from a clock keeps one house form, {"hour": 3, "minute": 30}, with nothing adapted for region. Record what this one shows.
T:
{"hour": 6, "minute": 9}
